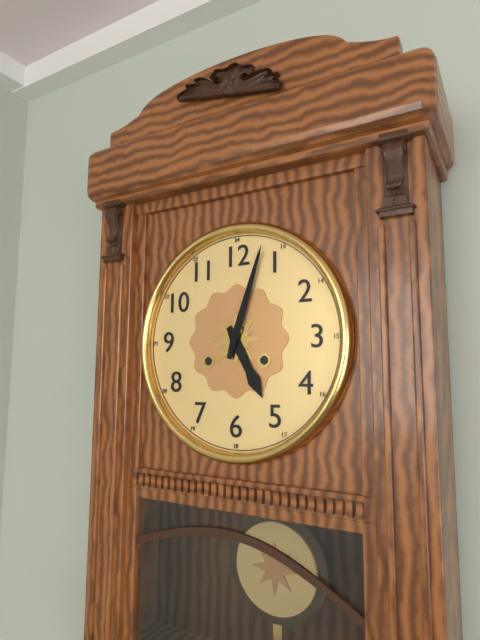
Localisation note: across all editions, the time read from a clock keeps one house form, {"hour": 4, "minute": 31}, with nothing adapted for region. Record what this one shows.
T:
{"hour": 5, "minute": 3}
